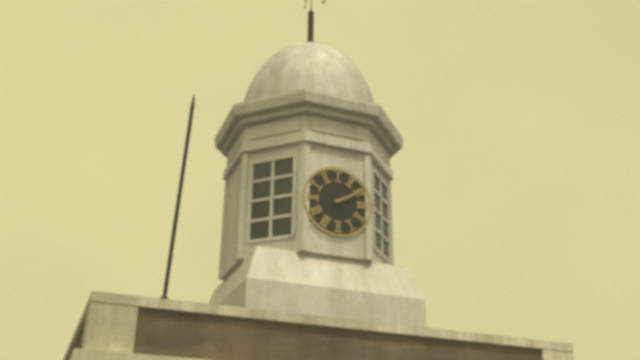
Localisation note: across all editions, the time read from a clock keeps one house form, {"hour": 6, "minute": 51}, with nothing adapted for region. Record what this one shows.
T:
{"hour": 2, "minute": 10}
